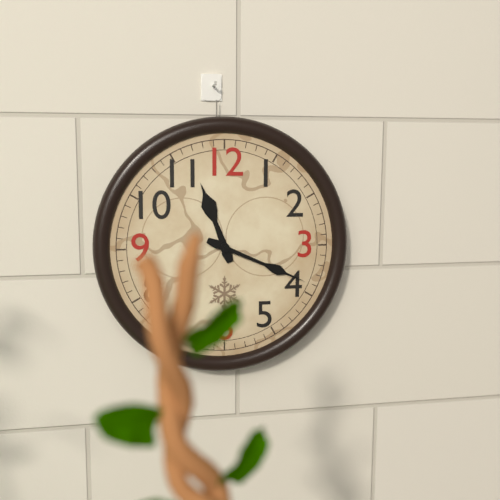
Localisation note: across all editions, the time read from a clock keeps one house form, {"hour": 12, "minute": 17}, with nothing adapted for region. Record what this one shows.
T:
{"hour": 11, "minute": 19}
